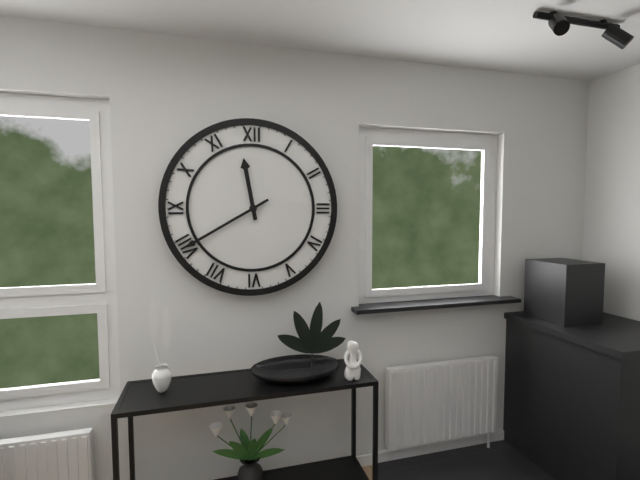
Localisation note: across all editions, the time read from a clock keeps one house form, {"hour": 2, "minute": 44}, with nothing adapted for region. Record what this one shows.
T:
{"hour": 11, "minute": 40}
